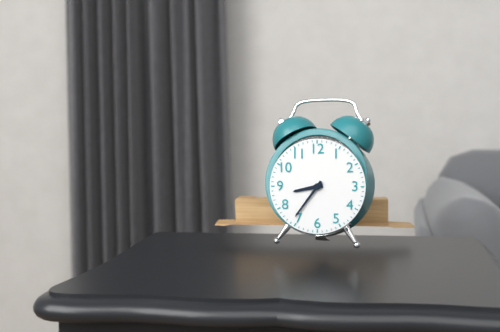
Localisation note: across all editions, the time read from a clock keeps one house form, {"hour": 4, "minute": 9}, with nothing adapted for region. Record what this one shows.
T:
{"hour": 8, "minute": 36}
